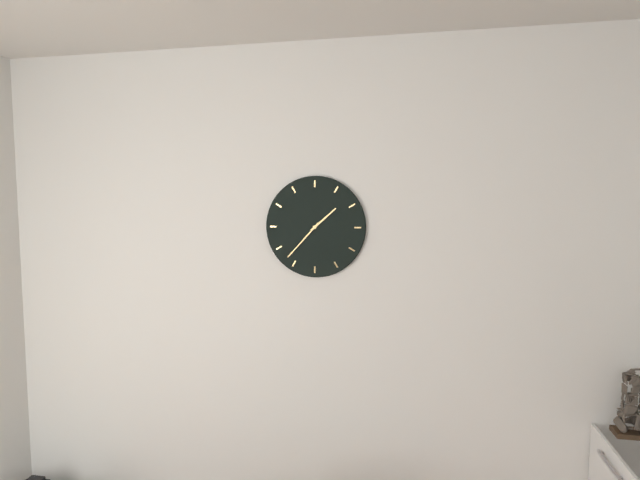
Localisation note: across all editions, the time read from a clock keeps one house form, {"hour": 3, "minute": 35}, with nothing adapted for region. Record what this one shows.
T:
{"hour": 1, "minute": 37}
